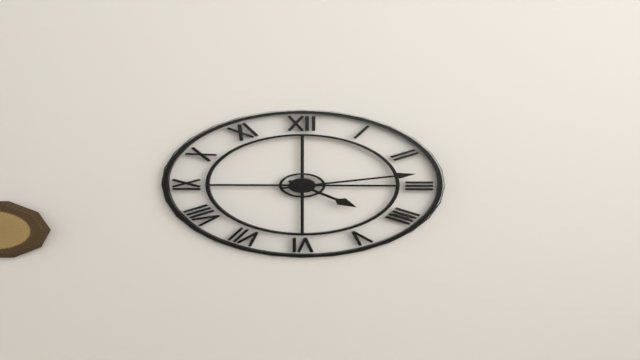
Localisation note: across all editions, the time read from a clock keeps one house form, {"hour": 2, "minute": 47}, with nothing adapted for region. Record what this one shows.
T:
{"hour": 4, "minute": 13}
